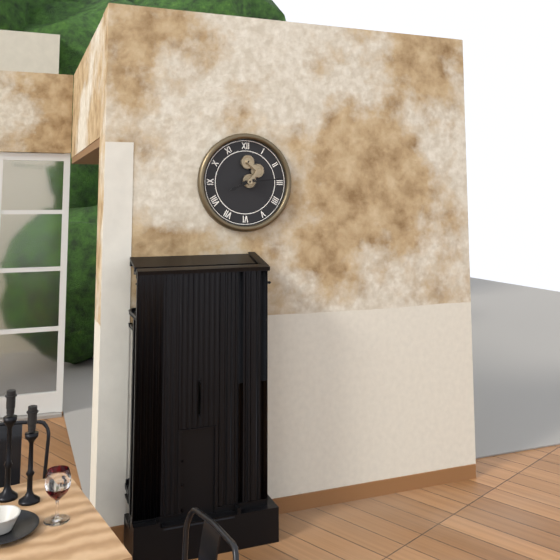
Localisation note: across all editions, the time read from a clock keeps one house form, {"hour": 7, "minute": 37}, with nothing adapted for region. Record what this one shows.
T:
{"hour": 8, "minute": 14}
